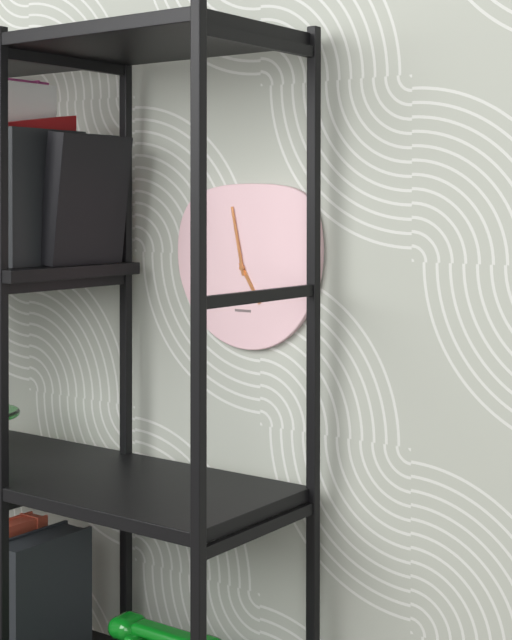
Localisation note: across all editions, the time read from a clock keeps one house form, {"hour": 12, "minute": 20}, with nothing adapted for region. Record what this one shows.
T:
{"hour": 4, "minute": 58}
